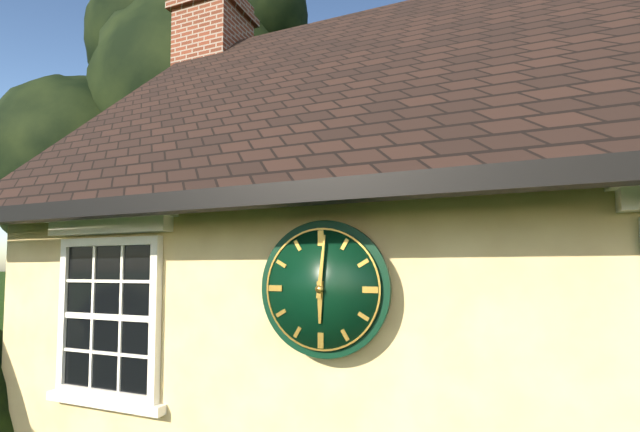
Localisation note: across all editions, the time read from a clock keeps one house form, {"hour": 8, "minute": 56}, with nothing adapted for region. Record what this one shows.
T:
{"hour": 6, "minute": 1}
